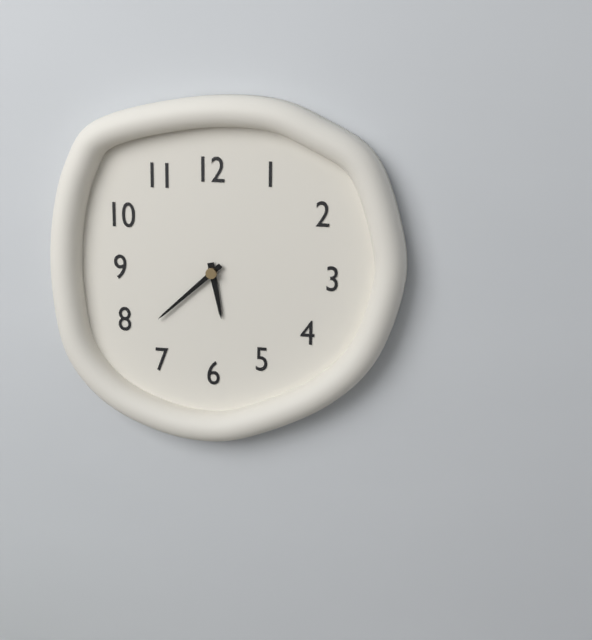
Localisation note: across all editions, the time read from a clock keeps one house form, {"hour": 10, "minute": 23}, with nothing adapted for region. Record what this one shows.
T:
{"hour": 5, "minute": 38}
